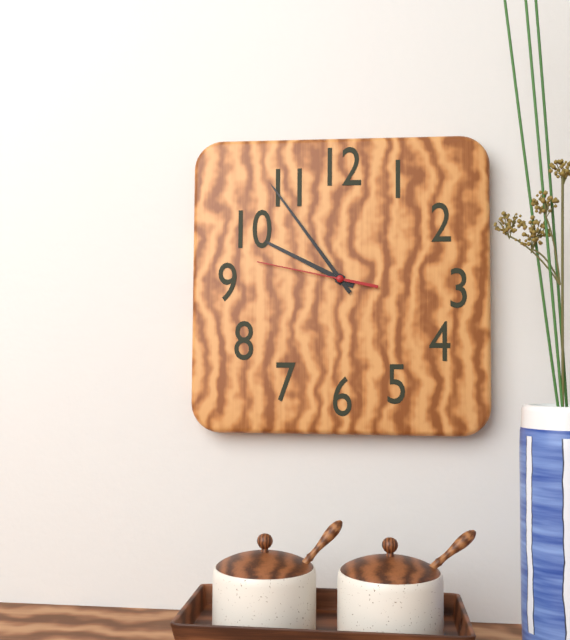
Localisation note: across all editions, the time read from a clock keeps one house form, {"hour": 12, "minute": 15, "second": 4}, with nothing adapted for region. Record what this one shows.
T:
{"hour": 9, "minute": 54, "second": 47}
